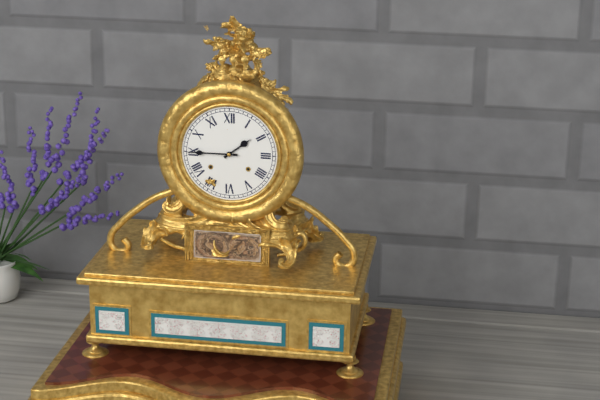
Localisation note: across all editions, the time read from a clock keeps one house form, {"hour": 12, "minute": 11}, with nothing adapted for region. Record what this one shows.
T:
{"hour": 1, "minute": 45}
